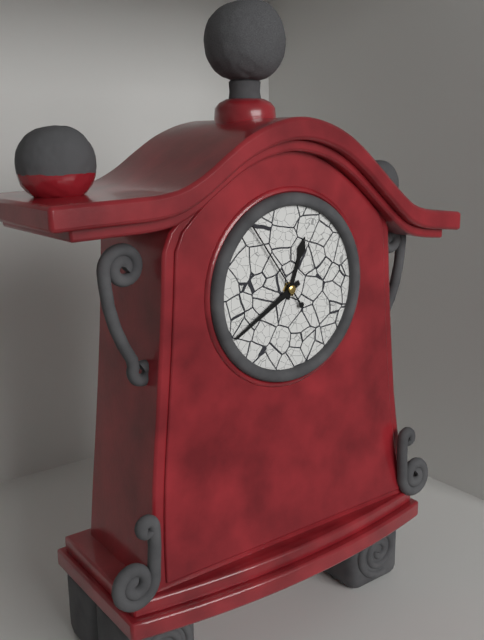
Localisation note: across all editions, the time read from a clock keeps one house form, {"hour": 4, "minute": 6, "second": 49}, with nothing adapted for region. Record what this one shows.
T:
{"hour": 12, "minute": 40, "second": 54}
